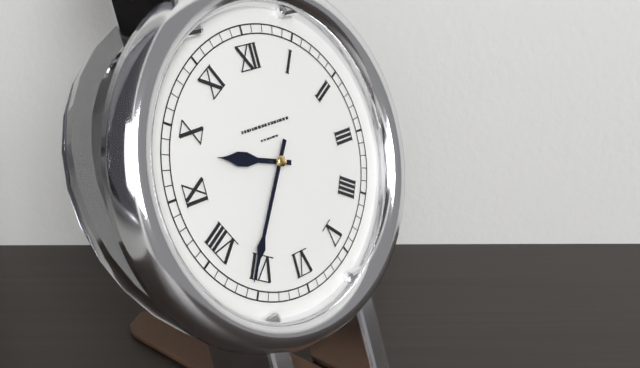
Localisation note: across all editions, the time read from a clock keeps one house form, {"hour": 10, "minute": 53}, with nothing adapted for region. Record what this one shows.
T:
{"hour": 9, "minute": 36}
